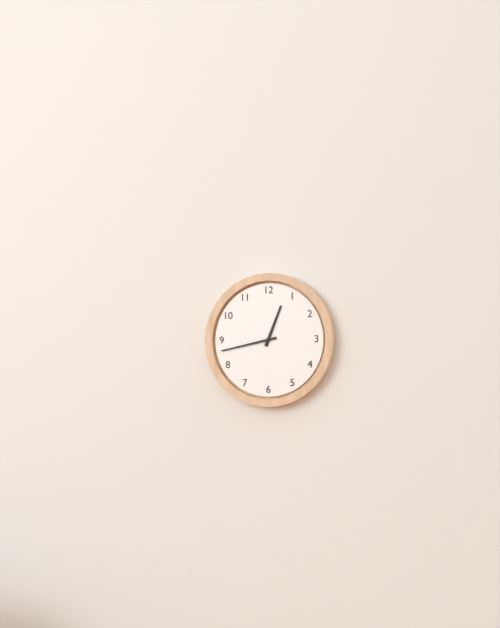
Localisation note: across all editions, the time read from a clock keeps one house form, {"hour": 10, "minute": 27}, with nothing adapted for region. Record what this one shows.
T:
{"hour": 12, "minute": 43}
